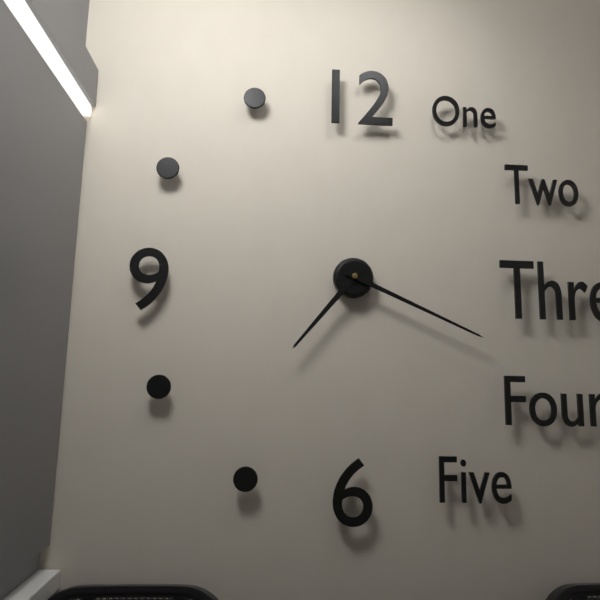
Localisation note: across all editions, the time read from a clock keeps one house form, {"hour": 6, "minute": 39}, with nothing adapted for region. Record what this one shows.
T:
{"hour": 7, "minute": 19}
